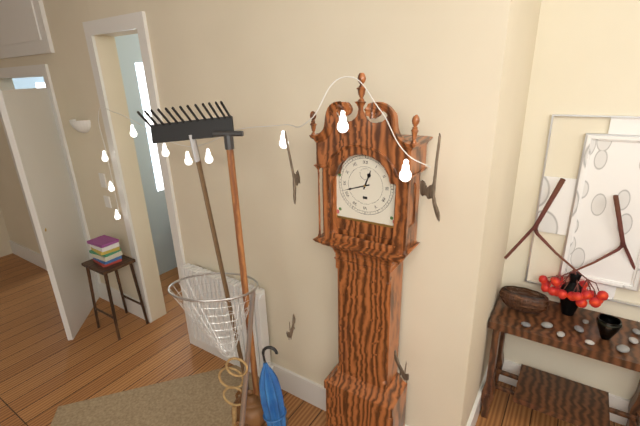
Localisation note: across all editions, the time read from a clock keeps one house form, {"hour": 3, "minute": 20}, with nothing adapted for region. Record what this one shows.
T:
{"hour": 12, "minute": 42}
